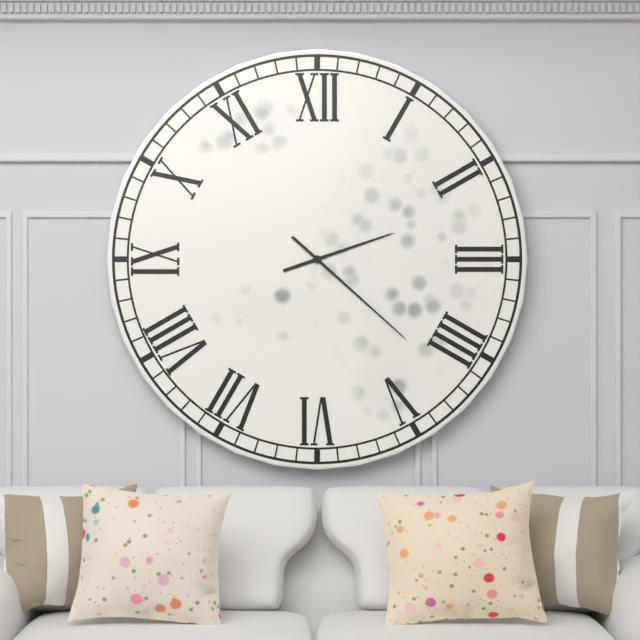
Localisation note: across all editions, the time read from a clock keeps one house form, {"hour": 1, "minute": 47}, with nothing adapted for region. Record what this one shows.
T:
{"hour": 2, "minute": 22}
